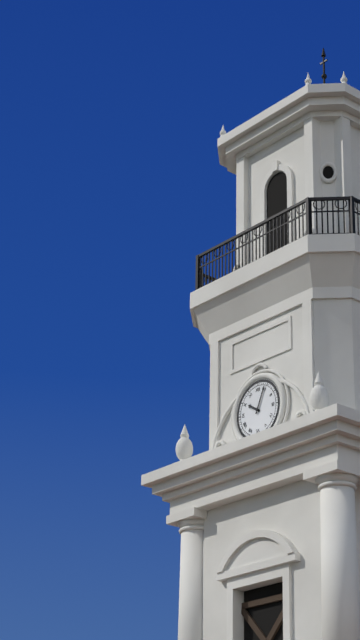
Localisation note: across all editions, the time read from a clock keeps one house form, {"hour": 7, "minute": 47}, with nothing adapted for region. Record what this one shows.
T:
{"hour": 10, "minute": 4}
